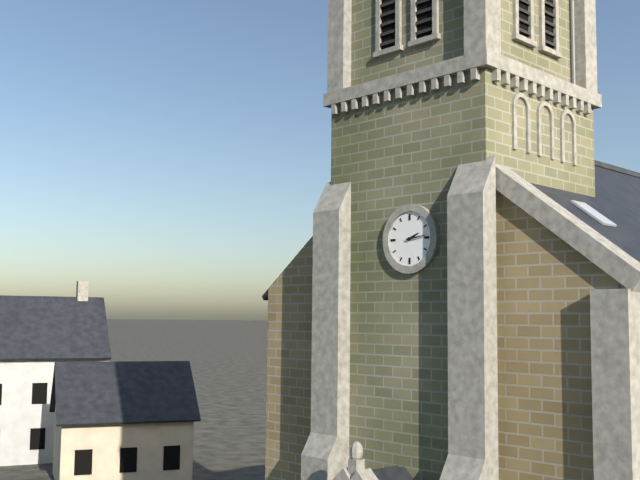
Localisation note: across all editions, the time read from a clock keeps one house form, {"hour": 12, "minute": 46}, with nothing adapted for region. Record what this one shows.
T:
{"hour": 2, "minute": 14}
